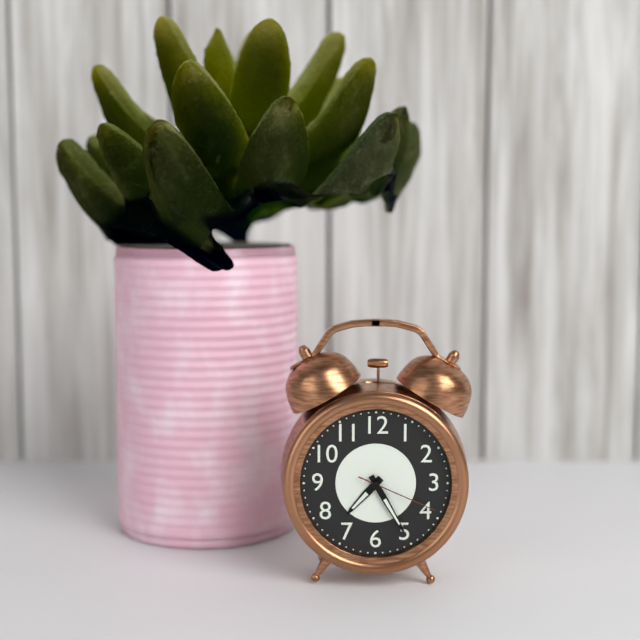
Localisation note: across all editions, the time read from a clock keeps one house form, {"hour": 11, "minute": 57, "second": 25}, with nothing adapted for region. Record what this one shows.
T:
{"hour": 7, "minute": 25, "second": 19}
